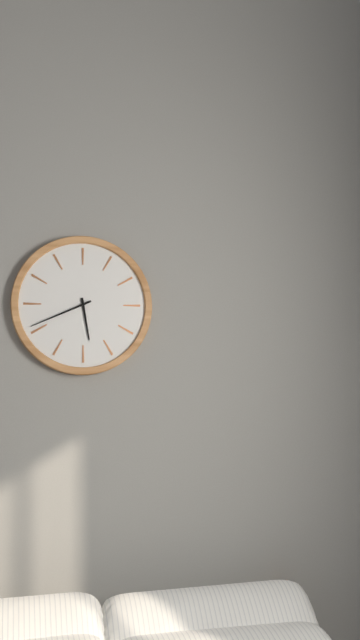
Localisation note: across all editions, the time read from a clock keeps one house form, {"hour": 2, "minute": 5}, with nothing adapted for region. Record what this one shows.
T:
{"hour": 5, "minute": 41}
